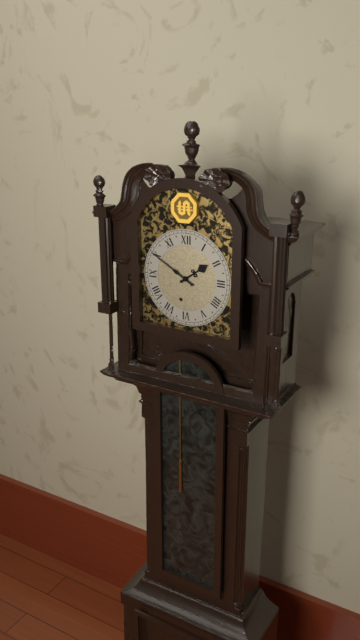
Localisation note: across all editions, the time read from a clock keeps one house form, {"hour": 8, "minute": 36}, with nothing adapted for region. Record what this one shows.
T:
{"hour": 1, "minute": 50}
